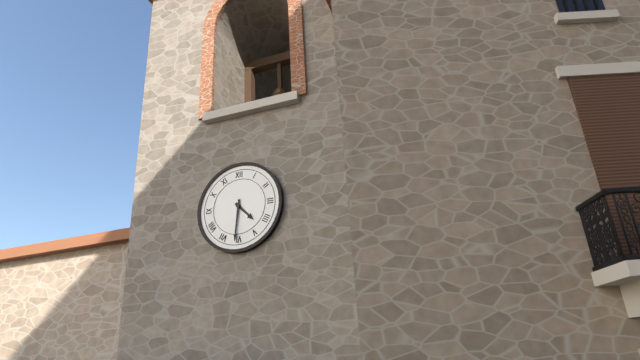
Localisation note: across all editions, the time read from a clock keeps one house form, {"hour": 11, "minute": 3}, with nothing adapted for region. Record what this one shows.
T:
{"hour": 4, "minute": 31}
